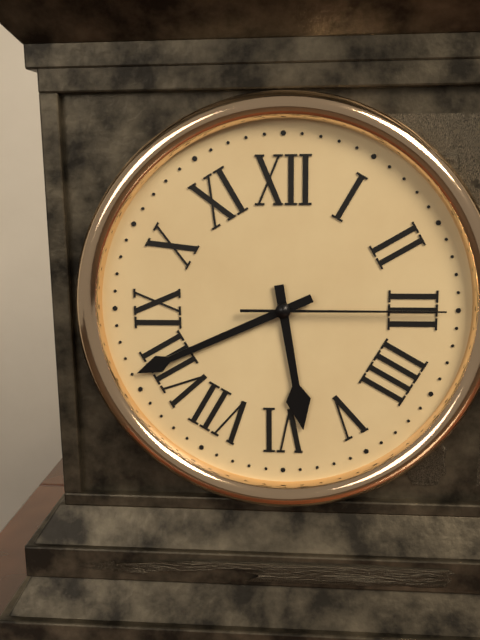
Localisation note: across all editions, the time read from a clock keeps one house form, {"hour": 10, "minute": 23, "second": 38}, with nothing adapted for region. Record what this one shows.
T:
{"hour": 5, "minute": 41, "second": 15}
